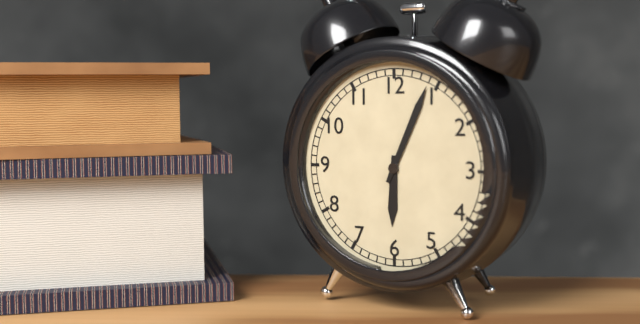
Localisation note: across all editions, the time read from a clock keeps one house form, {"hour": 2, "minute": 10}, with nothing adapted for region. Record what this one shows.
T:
{"hour": 6, "minute": 4}
